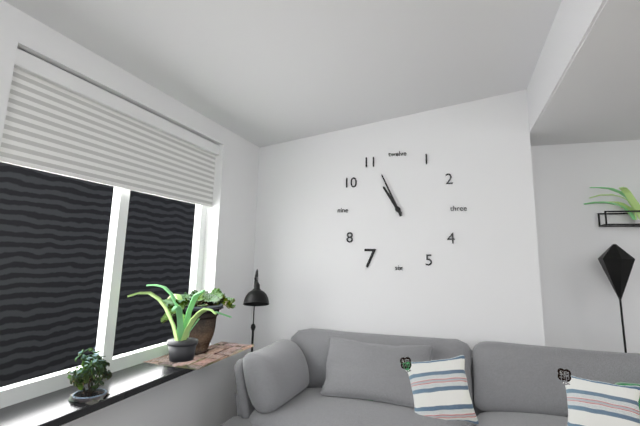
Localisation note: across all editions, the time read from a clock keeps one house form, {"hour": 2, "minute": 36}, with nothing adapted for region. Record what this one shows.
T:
{"hour": 10, "minute": 56}
